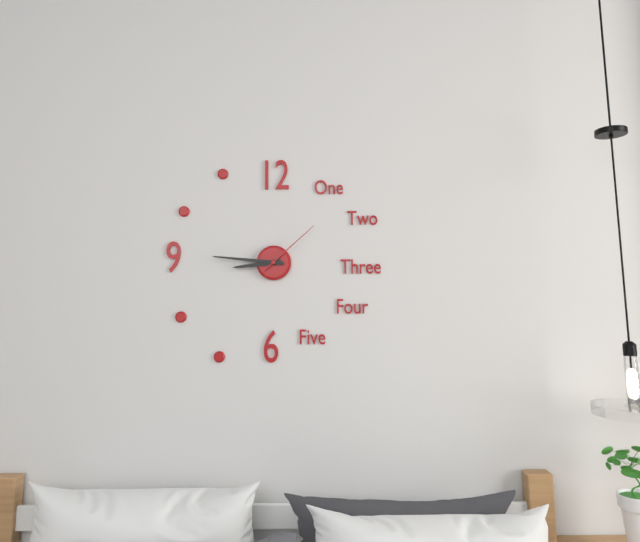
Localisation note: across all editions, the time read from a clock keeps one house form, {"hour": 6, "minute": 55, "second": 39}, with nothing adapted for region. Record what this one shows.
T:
{"hour": 8, "minute": 46, "second": 8}
